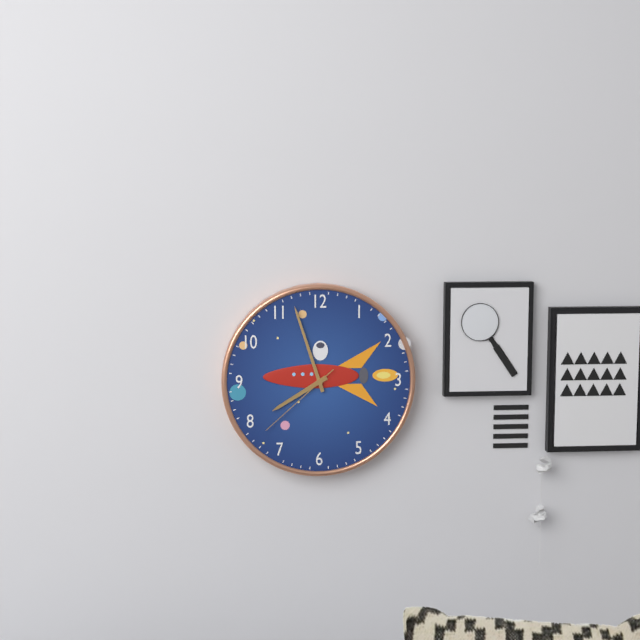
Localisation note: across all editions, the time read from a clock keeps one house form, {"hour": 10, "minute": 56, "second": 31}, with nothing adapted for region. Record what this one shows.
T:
{"hour": 7, "minute": 57, "second": 38}
